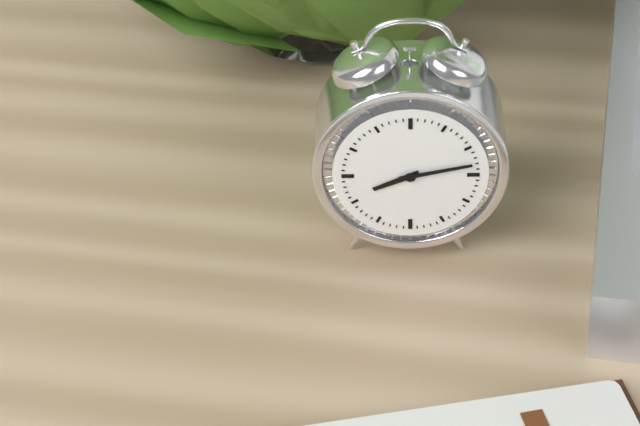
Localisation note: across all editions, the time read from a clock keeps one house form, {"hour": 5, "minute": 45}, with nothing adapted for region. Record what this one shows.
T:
{"hour": 8, "minute": 13}
